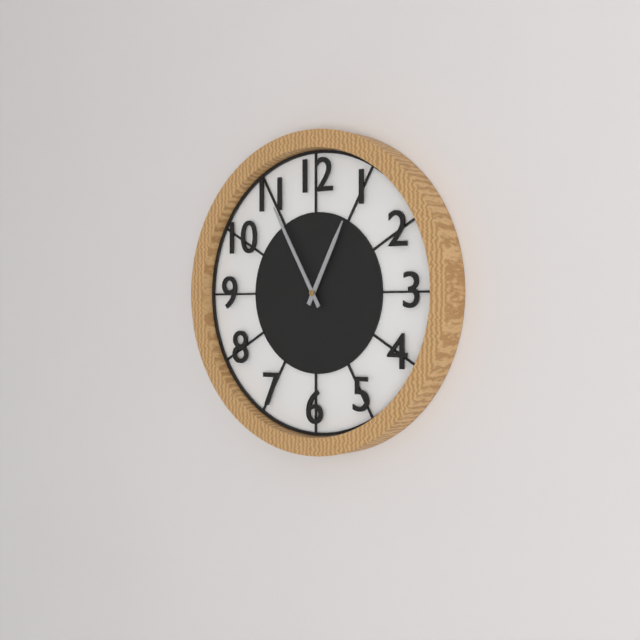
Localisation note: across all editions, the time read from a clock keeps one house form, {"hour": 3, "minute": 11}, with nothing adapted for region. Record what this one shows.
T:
{"hour": 12, "minute": 55}
